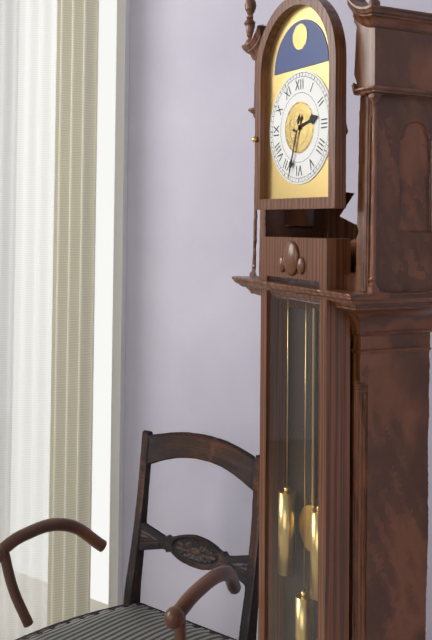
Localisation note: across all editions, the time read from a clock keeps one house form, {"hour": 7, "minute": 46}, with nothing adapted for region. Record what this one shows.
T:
{"hour": 2, "minute": 33}
